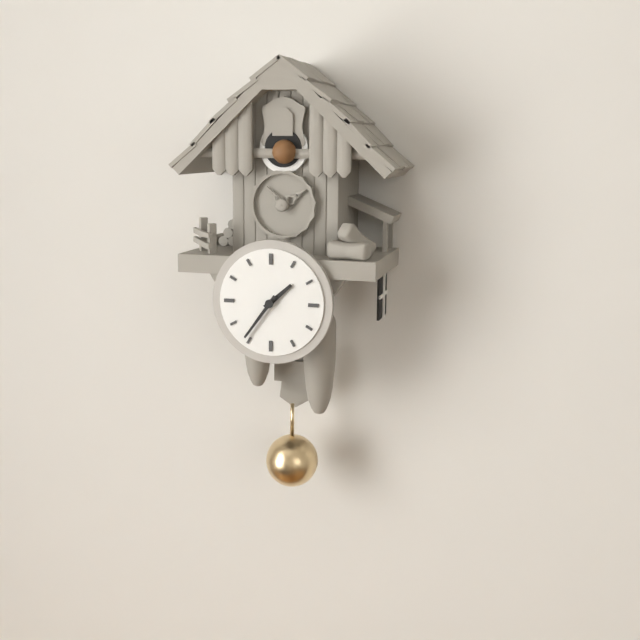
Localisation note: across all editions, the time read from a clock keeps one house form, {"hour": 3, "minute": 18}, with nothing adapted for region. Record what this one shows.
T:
{"hour": 1, "minute": 36}
